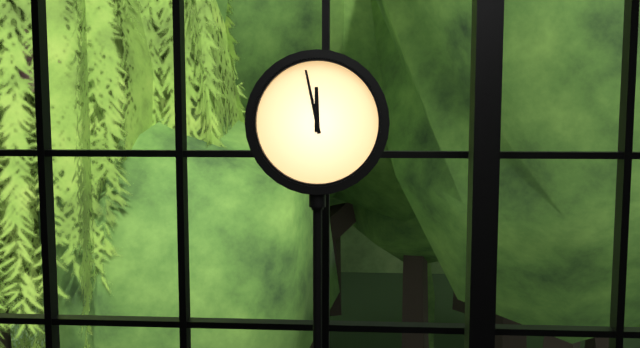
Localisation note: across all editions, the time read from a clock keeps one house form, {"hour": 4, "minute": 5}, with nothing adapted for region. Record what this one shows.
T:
{"hour": 11, "minute": 58}
